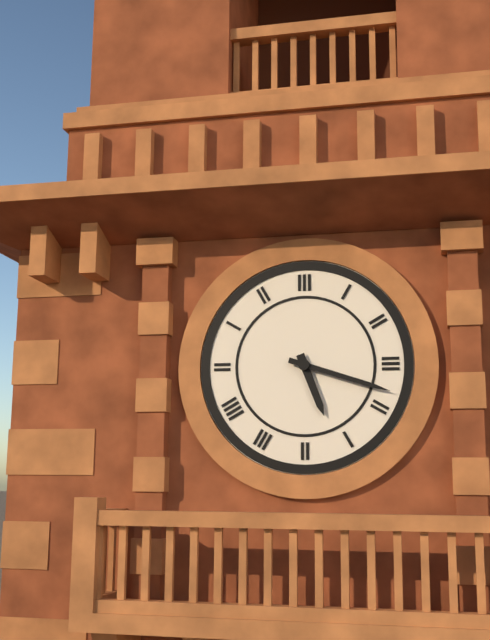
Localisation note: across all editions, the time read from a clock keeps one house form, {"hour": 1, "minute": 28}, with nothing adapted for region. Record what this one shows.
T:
{"hour": 5, "minute": 18}
